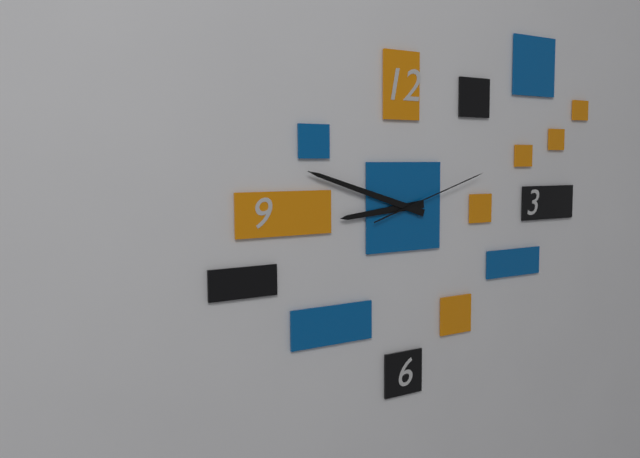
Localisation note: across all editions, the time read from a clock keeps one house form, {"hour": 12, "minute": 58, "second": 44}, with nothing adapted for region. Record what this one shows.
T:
{"hour": 8, "minute": 48, "second": 12}
